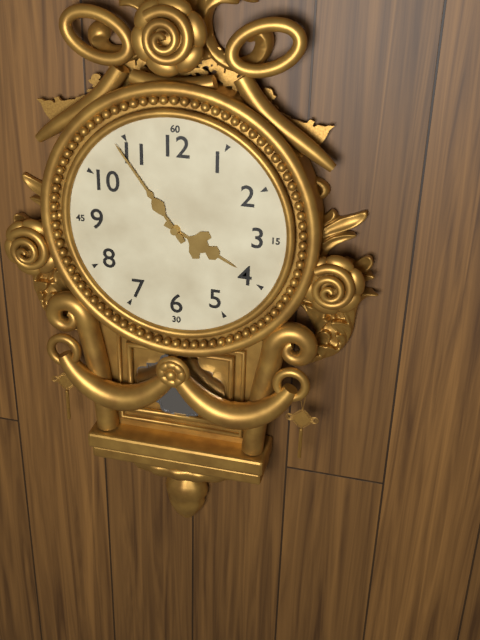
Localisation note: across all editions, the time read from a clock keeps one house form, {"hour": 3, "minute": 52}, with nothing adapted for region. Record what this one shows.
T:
{"hour": 3, "minute": 54}
